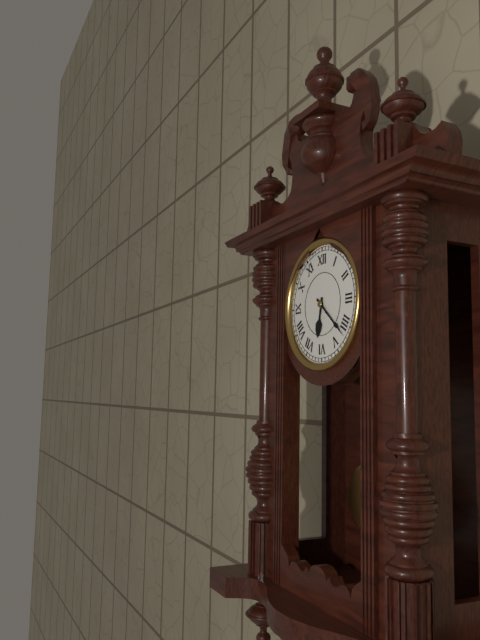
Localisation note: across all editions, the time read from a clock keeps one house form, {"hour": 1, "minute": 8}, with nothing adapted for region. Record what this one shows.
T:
{"hour": 6, "minute": 22}
